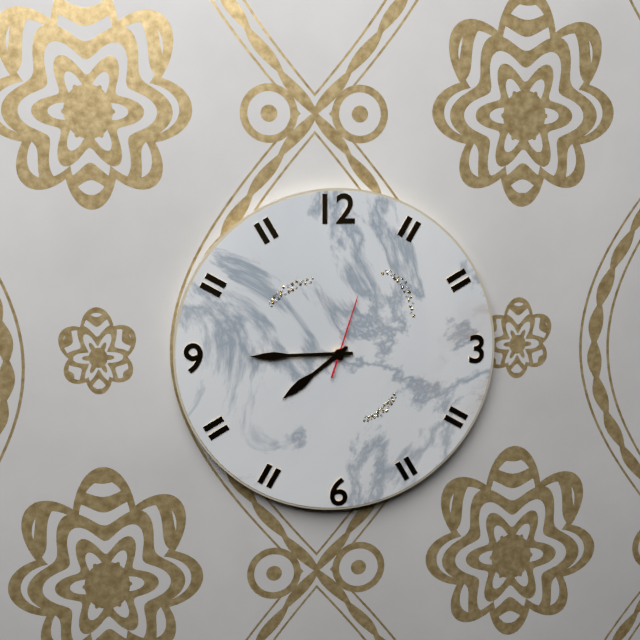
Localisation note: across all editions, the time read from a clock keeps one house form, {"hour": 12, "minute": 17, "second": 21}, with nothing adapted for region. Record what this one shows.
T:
{"hour": 7, "minute": 45, "second": 3}
